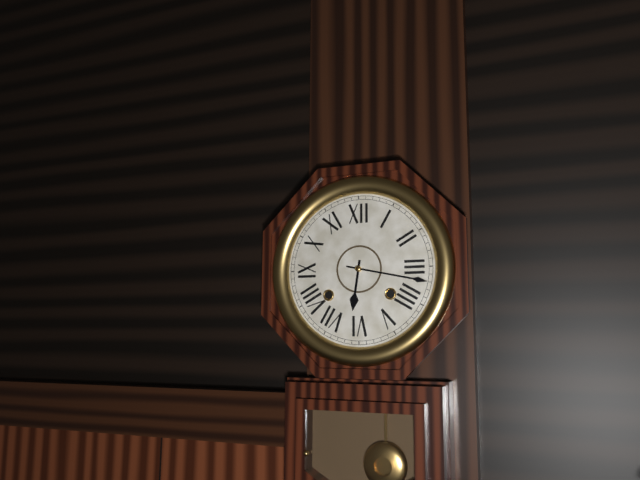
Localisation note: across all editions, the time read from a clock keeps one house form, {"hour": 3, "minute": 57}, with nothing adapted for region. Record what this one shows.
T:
{"hour": 6, "minute": 17}
